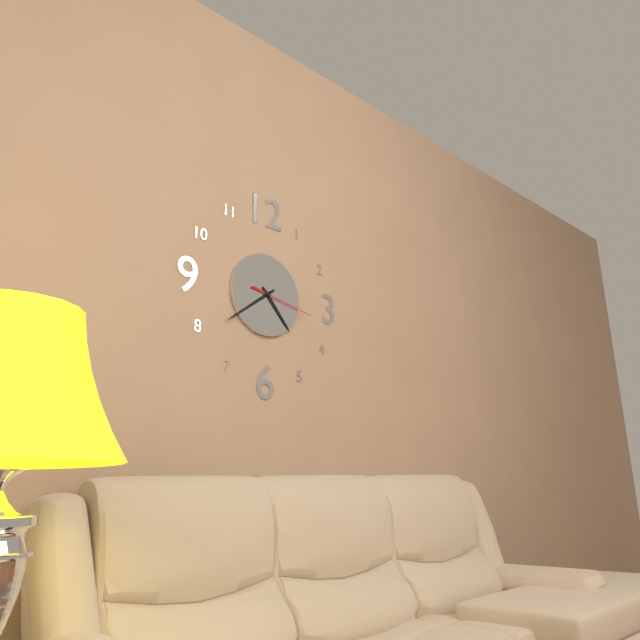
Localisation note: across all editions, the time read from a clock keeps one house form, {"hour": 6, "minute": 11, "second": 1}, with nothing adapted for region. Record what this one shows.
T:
{"hour": 4, "minute": 39, "second": 17}
